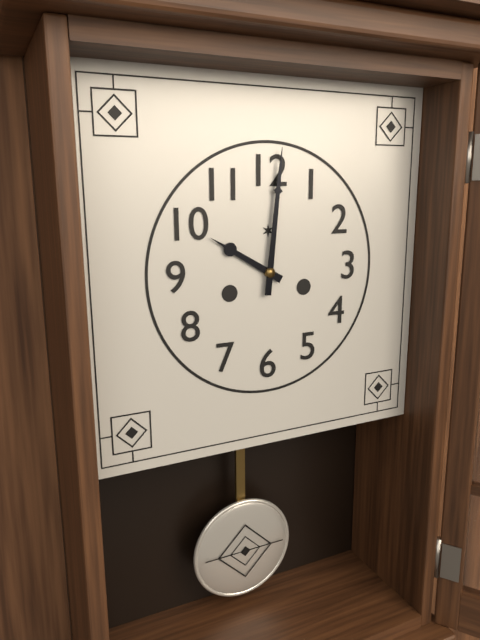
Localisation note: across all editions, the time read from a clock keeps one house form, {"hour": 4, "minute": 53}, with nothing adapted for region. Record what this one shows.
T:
{"hour": 10, "minute": 1}
